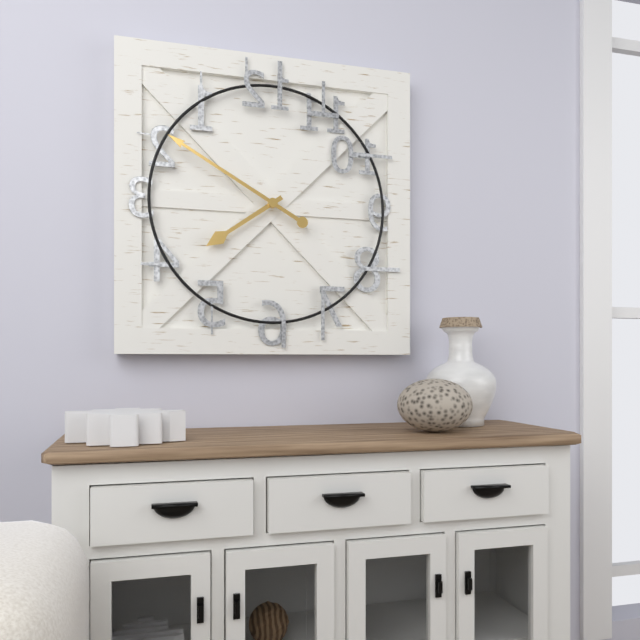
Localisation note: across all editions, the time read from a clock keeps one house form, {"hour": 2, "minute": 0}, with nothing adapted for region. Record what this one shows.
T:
{"hour": 7, "minute": 50}
